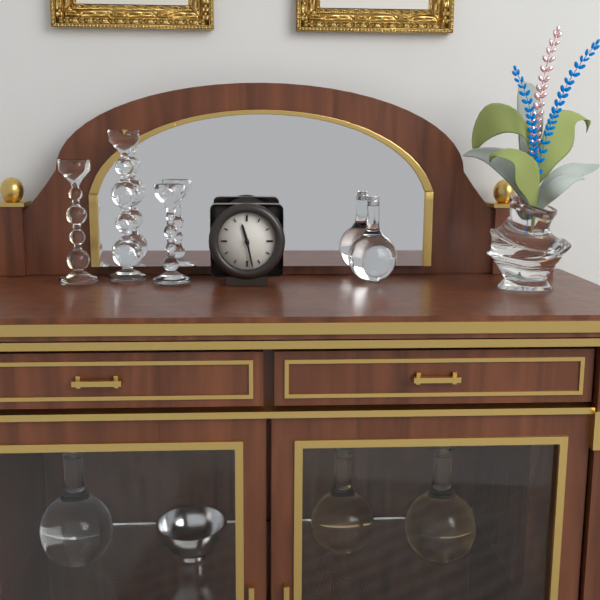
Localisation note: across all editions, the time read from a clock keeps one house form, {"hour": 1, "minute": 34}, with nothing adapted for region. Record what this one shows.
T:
{"hour": 11, "minute": 28}
